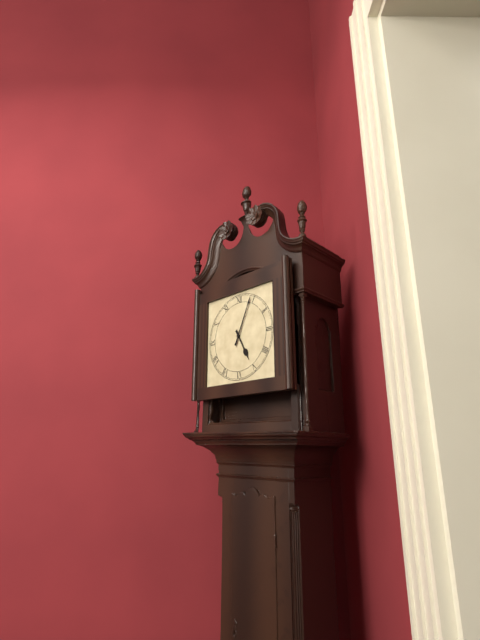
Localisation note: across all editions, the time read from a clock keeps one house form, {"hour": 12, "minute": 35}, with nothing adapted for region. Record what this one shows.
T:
{"hour": 5, "minute": 4}
